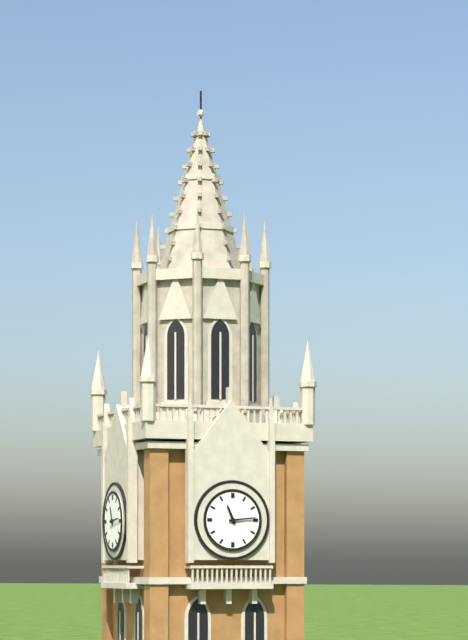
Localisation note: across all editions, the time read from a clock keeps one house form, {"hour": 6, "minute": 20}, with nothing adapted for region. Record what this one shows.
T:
{"hour": 11, "minute": 14}
